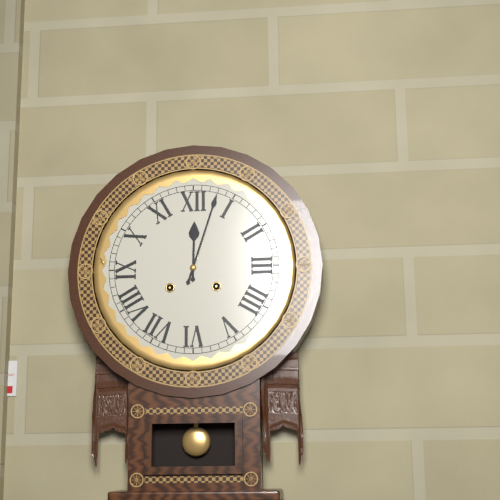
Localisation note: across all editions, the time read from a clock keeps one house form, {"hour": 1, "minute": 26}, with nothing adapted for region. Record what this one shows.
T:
{"hour": 12, "minute": 3}
